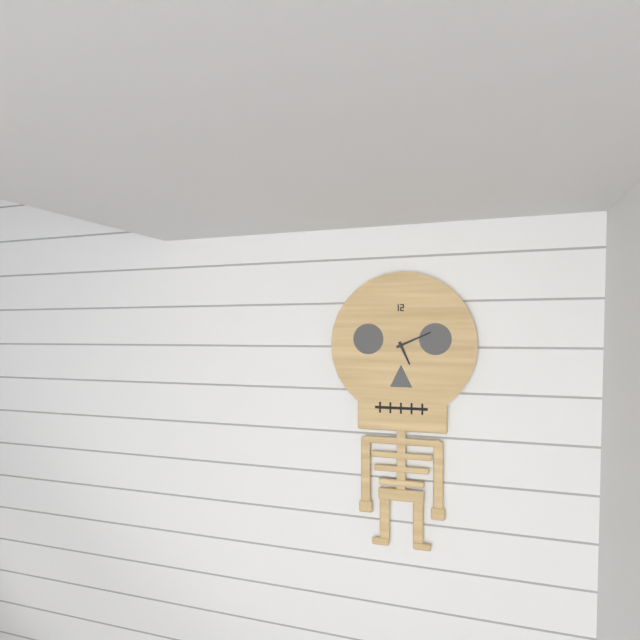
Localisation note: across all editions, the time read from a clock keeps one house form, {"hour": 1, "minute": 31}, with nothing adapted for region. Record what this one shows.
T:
{"hour": 5, "minute": 11}
